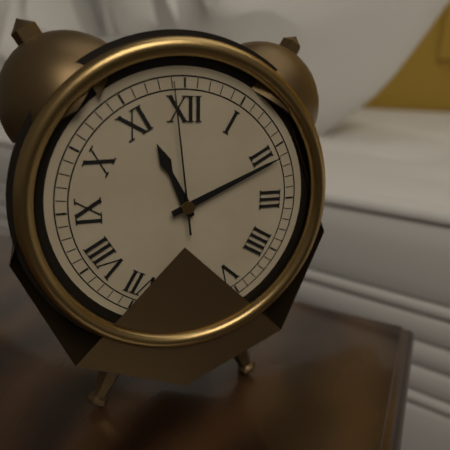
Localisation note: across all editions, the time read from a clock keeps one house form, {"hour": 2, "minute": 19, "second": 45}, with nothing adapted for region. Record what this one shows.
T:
{"hour": 11, "minute": 11, "second": 59}
